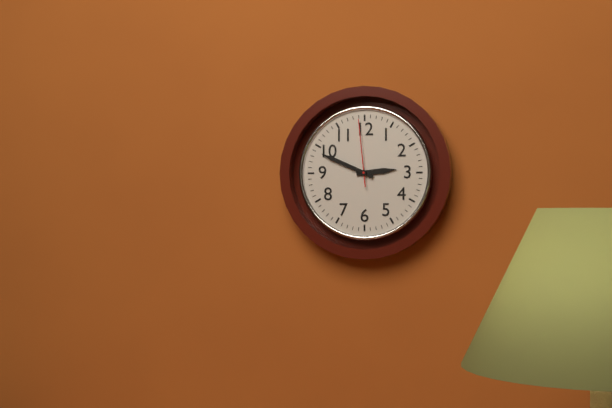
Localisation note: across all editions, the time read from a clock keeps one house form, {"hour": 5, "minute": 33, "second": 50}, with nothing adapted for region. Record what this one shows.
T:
{"hour": 2, "minute": 49, "second": 59}
